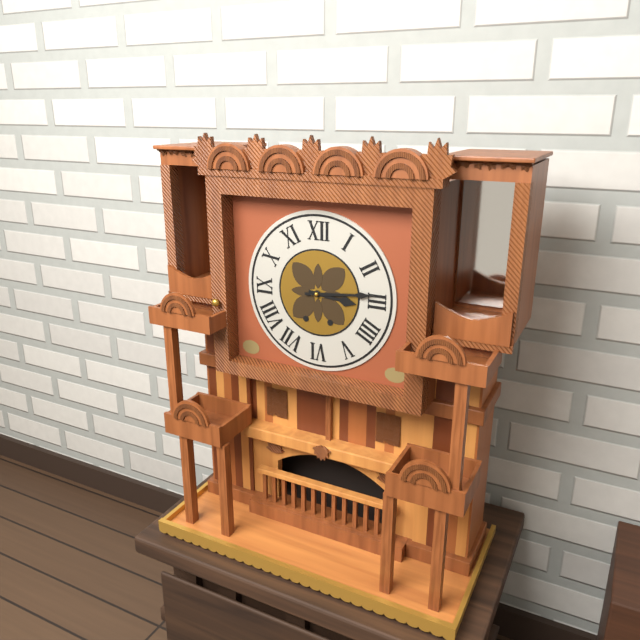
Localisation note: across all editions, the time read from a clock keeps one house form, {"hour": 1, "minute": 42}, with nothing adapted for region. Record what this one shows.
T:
{"hour": 3, "minute": 14}
